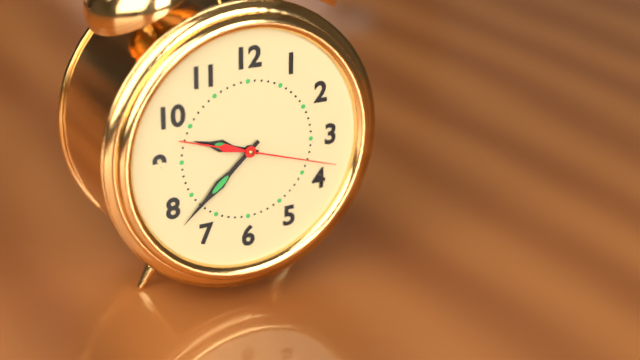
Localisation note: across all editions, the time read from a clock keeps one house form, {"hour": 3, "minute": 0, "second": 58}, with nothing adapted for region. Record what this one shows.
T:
{"hour": 9, "minute": 38, "second": 18}
